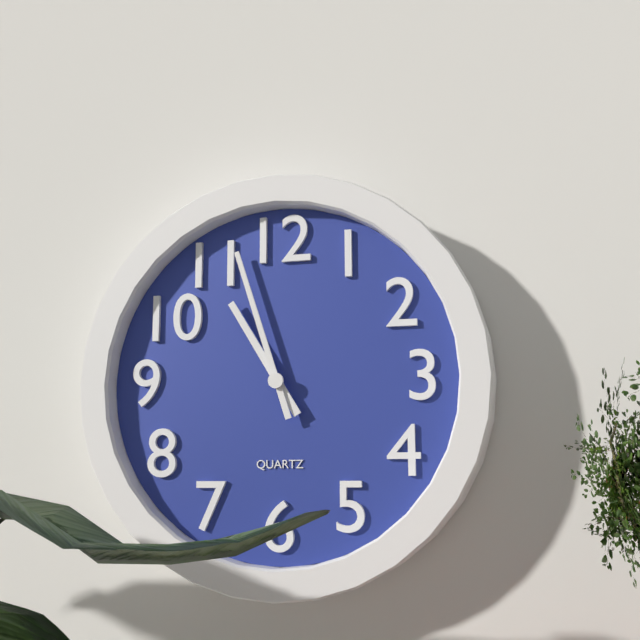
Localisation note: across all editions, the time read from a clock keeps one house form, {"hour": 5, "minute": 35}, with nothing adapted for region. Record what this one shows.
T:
{"hour": 10, "minute": 57}
